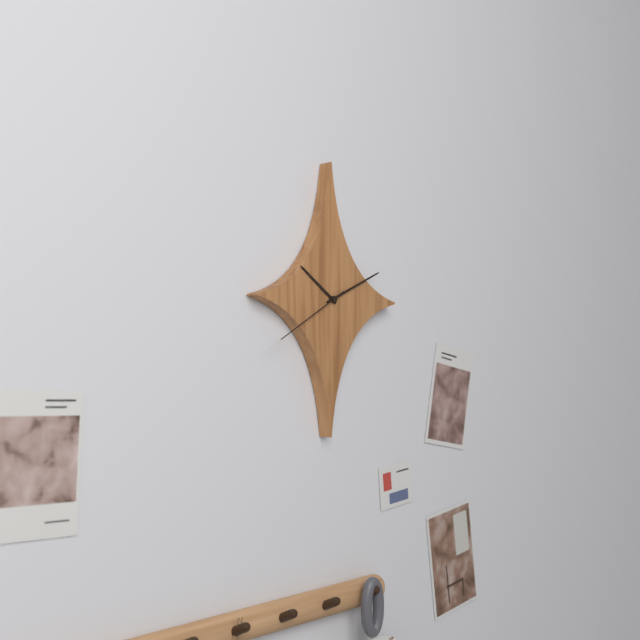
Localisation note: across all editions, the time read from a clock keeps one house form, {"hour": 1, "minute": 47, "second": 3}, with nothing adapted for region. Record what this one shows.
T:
{"hour": 10, "minute": 11, "second": 40}
